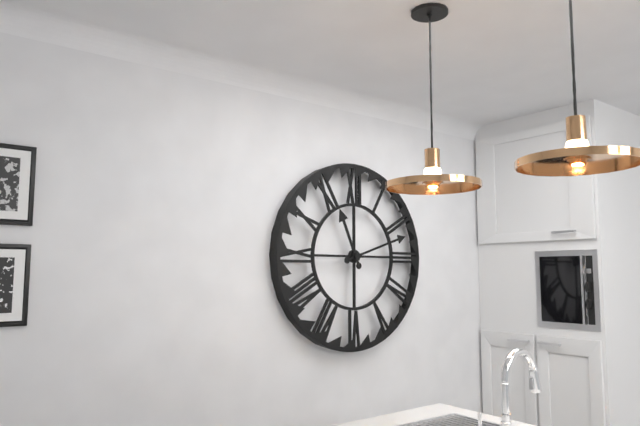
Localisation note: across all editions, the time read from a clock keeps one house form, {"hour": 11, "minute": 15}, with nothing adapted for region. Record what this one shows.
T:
{"hour": 11, "minute": 12}
